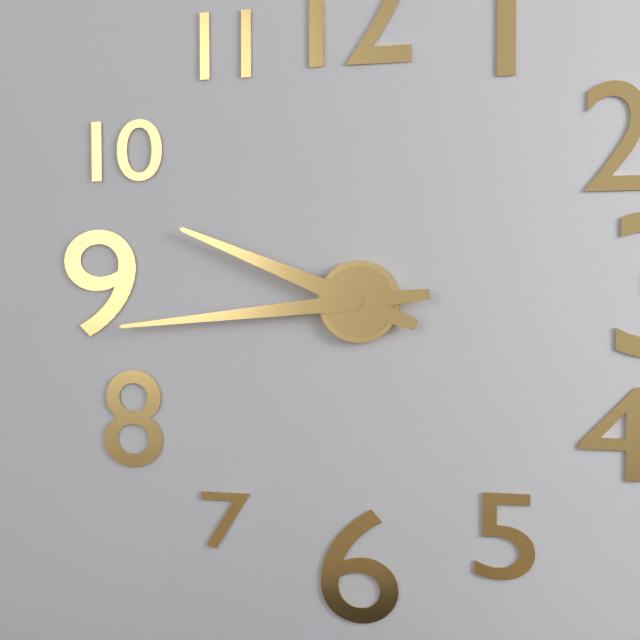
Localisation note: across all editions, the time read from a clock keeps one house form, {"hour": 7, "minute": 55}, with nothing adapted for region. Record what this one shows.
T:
{"hour": 9, "minute": 44}
